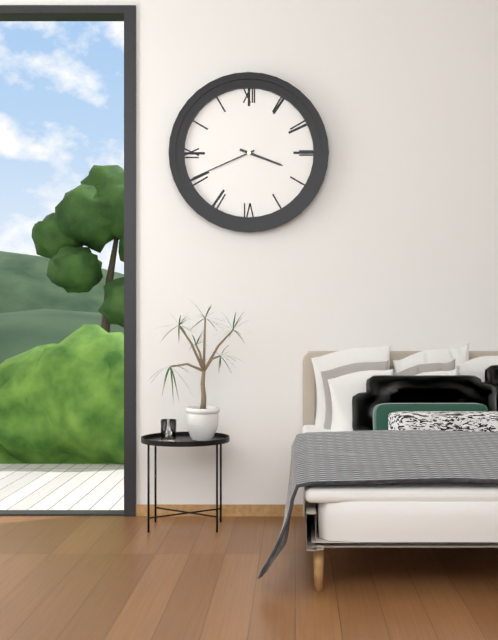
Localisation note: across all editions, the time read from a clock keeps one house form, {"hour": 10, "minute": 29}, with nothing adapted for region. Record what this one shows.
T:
{"hour": 3, "minute": 41}
